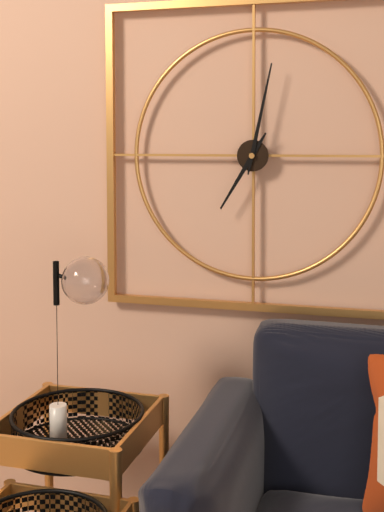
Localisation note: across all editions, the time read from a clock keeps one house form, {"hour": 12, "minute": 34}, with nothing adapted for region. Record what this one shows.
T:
{"hour": 7, "minute": 2}
